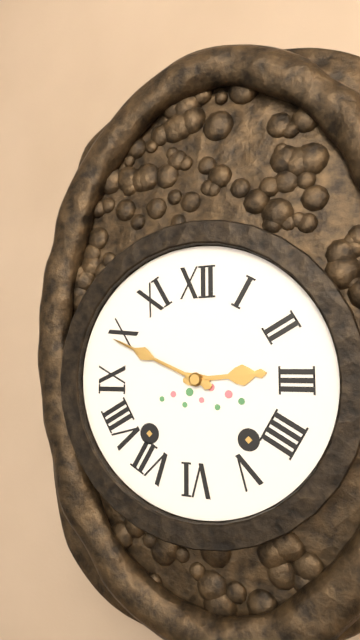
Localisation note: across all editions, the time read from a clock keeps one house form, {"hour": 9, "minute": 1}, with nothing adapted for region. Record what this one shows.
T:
{"hour": 2, "minute": 49}
